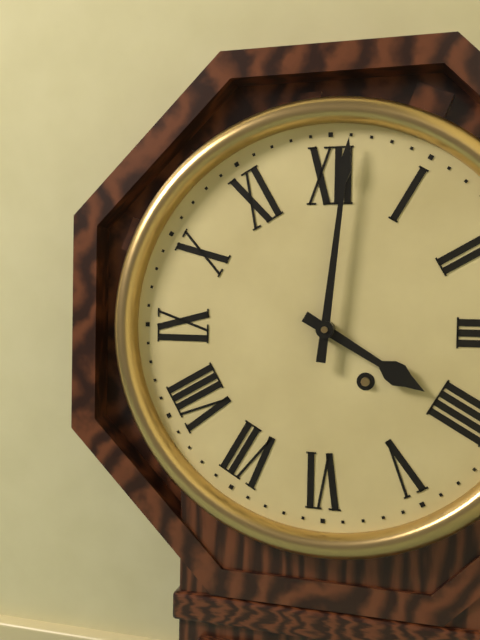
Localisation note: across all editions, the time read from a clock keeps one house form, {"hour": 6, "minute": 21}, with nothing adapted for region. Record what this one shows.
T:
{"hour": 4, "minute": 1}
